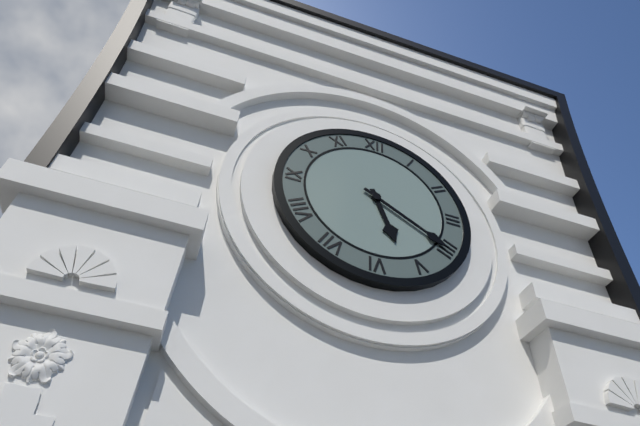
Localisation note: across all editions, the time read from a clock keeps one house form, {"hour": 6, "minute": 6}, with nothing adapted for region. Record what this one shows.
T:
{"hour": 5, "minute": 20}
